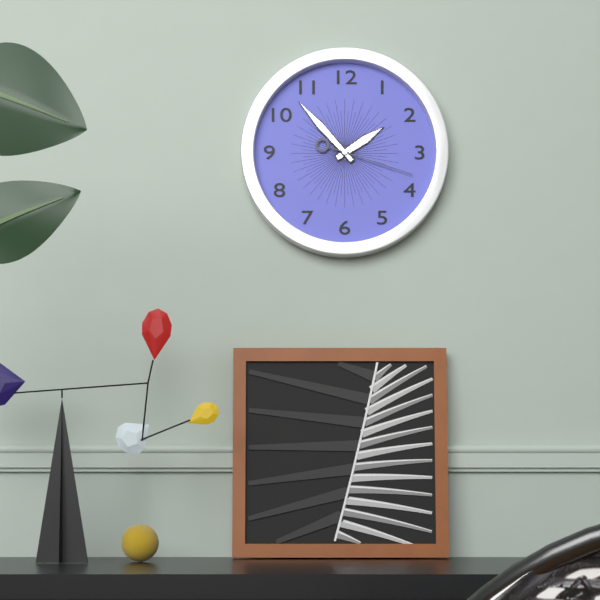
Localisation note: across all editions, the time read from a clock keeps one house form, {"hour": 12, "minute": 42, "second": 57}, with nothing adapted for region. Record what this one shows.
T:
{"hour": 1, "minute": 53, "second": 18}
